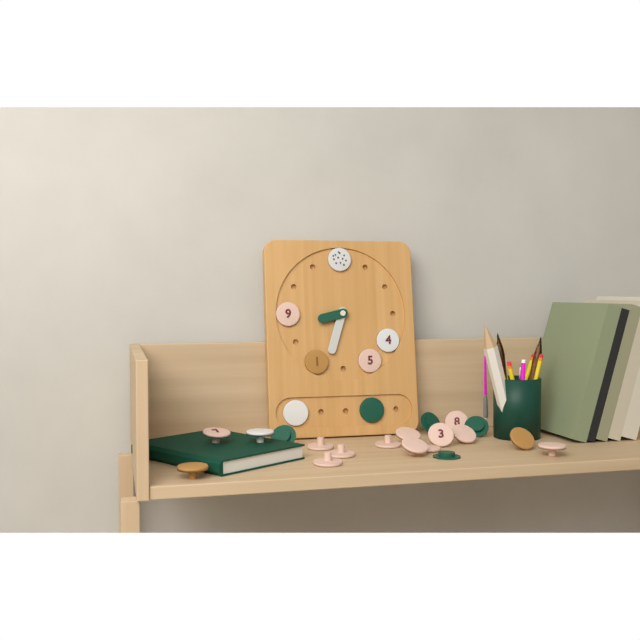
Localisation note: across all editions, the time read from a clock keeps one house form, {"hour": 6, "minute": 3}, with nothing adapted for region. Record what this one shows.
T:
{"hour": 8, "minute": 33}
